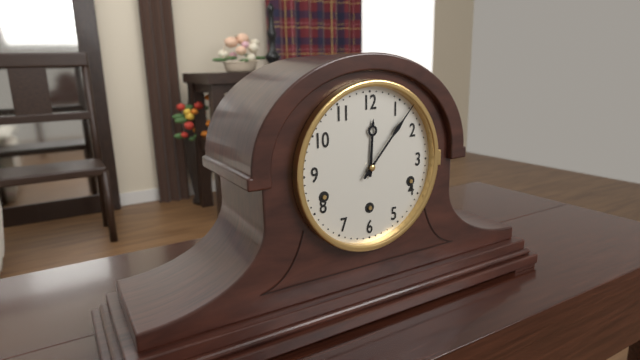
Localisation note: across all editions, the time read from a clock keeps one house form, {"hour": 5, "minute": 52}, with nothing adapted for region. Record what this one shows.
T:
{"hour": 12, "minute": 7}
